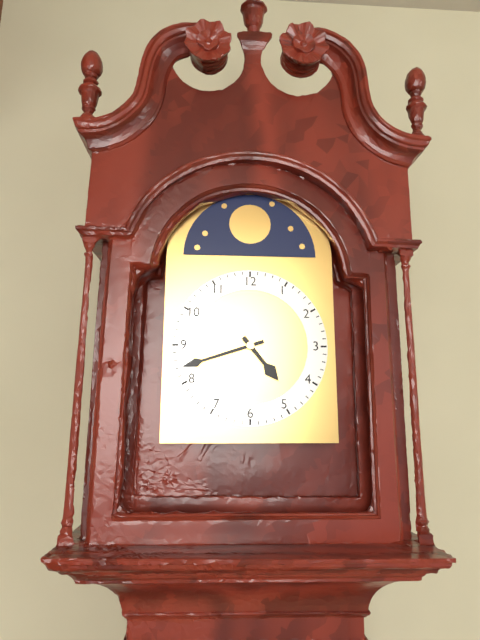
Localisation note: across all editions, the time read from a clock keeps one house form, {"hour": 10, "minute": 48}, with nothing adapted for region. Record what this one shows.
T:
{"hour": 4, "minute": 42}
